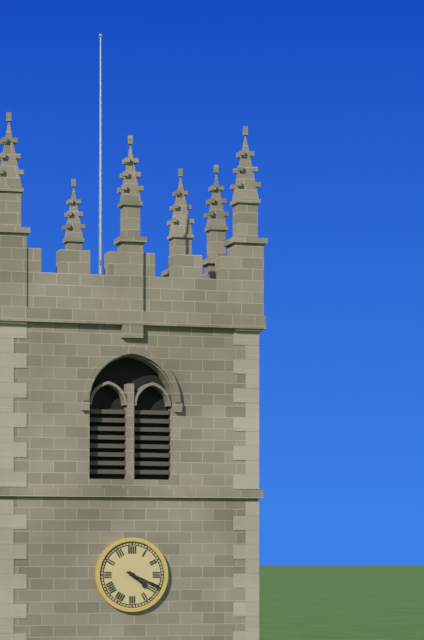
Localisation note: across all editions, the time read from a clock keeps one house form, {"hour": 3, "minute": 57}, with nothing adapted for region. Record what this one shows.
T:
{"hour": 4, "minute": 19}
